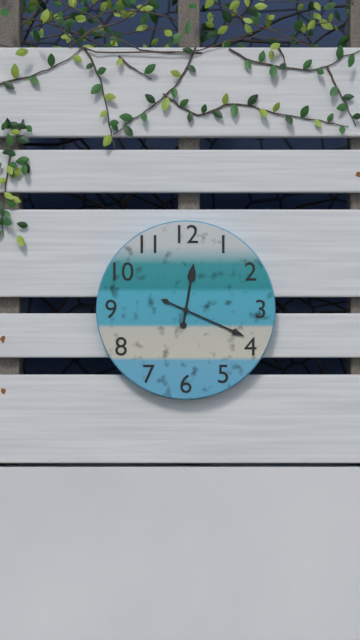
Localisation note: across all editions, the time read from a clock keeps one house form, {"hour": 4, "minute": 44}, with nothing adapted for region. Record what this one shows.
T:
{"hour": 12, "minute": 19}
